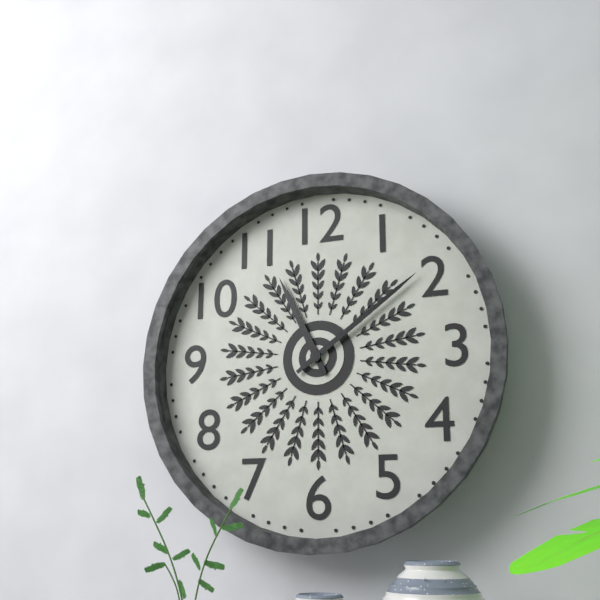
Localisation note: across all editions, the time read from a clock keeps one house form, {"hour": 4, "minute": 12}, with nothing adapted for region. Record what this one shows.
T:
{"hour": 11, "minute": 9}
